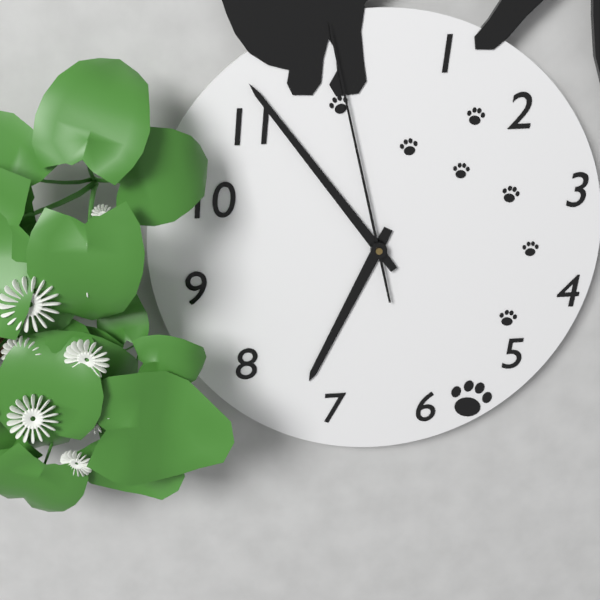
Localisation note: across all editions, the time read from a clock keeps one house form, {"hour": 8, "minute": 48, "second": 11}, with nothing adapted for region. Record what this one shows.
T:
{"hour": 6, "minute": 54, "second": 58}
